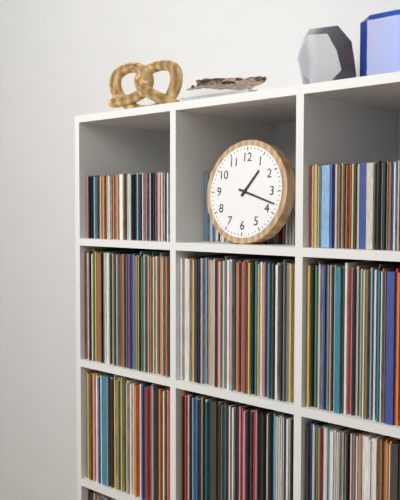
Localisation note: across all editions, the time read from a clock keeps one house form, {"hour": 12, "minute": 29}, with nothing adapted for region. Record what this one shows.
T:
{"hour": 1, "minute": 18}
